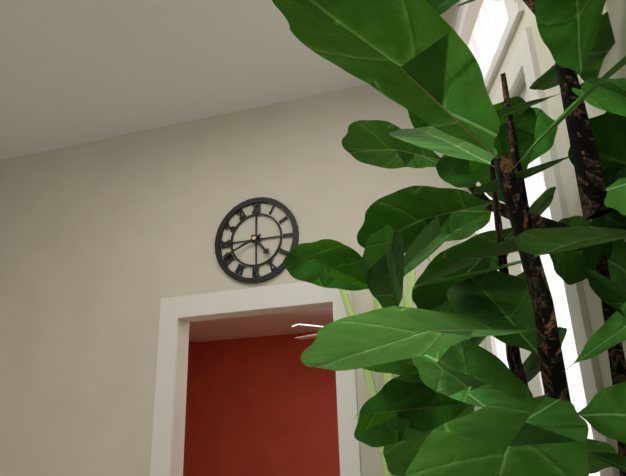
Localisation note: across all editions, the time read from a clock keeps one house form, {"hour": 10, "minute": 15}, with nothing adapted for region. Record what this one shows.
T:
{"hour": 4, "minute": 41}
